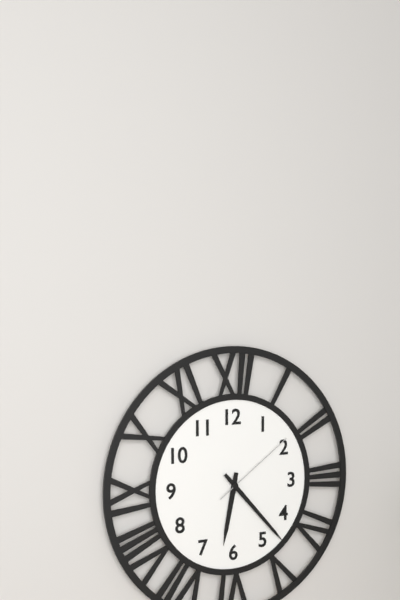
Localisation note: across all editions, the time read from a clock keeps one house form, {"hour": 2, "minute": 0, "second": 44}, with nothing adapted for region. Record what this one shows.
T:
{"hour": 6, "minute": 23, "second": 9}
